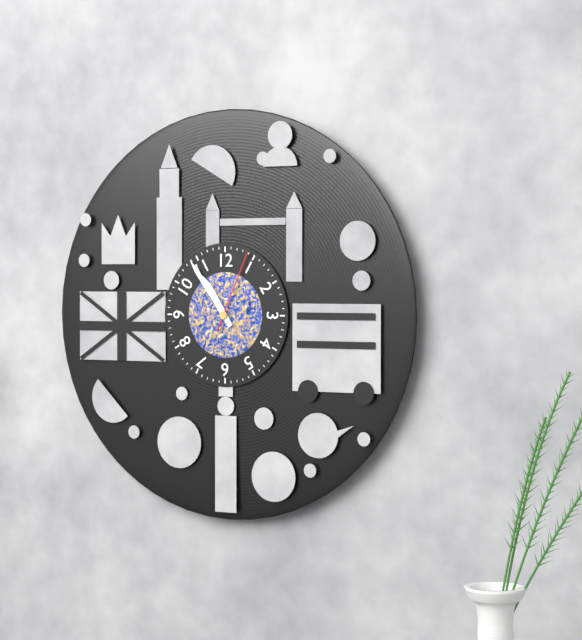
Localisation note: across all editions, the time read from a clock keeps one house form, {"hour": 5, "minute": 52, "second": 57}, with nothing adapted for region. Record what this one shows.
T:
{"hour": 10, "minute": 54, "second": 4}
